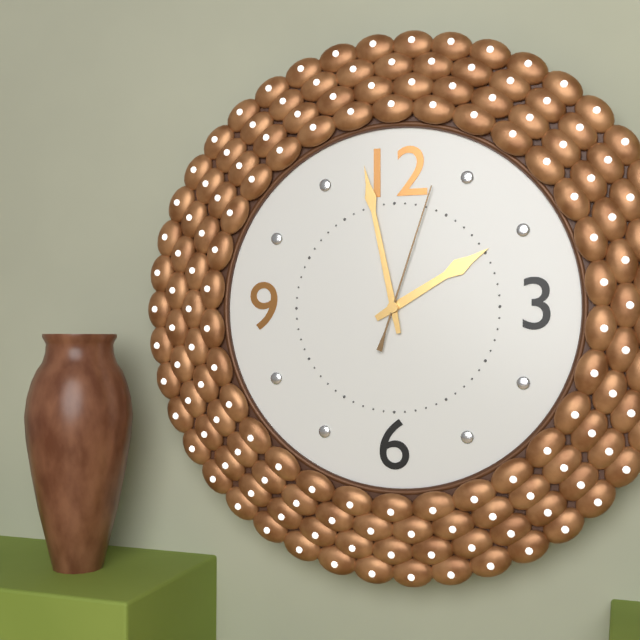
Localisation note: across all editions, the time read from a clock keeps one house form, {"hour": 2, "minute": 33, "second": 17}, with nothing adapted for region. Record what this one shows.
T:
{"hour": 1, "minute": 58, "second": 3}
